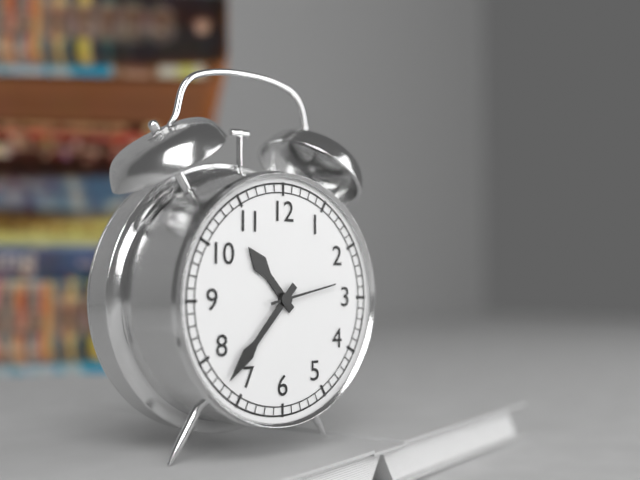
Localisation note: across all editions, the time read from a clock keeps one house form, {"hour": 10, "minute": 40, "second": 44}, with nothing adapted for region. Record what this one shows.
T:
{"hour": 10, "minute": 37, "second": 13}
